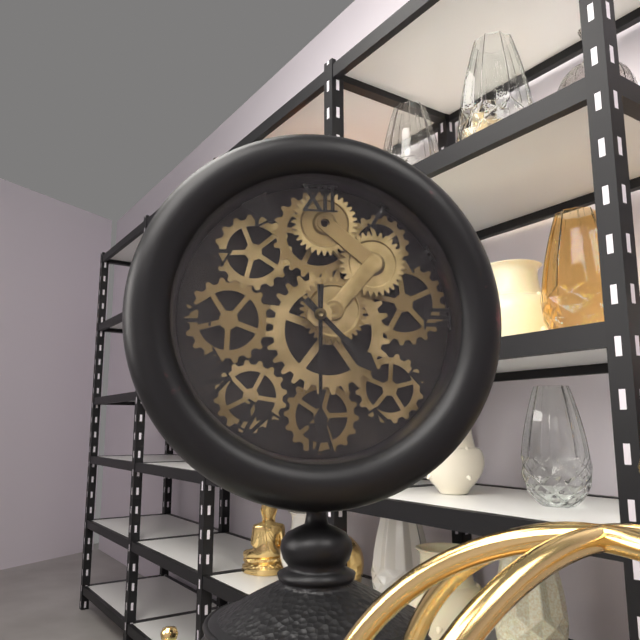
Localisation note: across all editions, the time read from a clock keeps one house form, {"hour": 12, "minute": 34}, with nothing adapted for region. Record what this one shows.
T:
{"hour": 4, "minute": 30}
